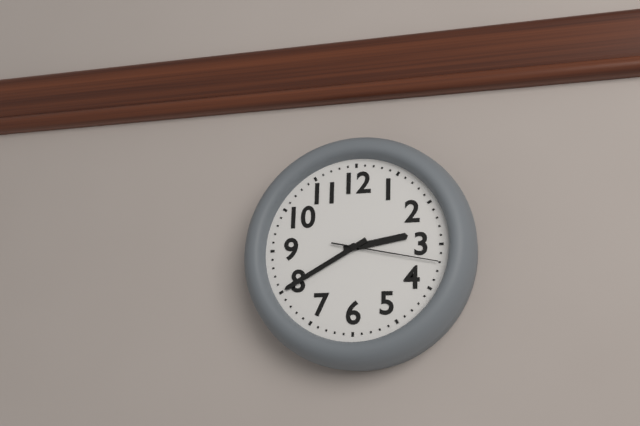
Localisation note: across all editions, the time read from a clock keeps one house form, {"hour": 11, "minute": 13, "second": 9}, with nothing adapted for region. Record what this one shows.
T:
{"hour": 2, "minute": 40, "second": 17}
